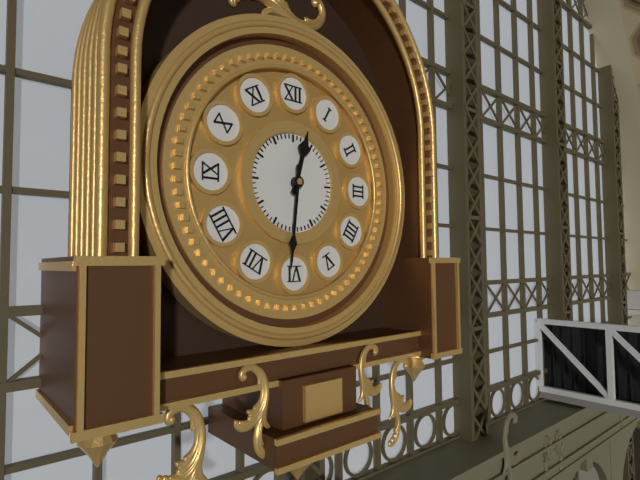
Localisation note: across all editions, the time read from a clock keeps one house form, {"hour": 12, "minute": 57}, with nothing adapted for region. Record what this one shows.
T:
{"hour": 12, "minute": 31}
